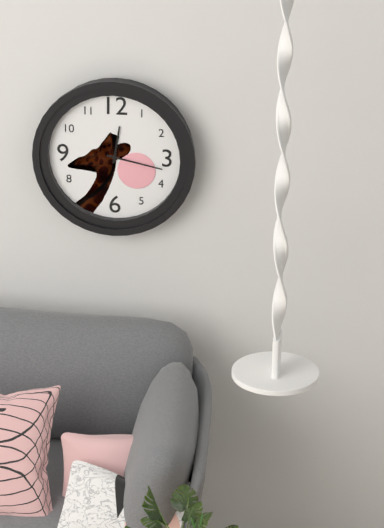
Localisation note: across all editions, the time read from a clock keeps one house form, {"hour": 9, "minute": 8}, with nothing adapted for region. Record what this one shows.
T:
{"hour": 12, "minute": 17}
